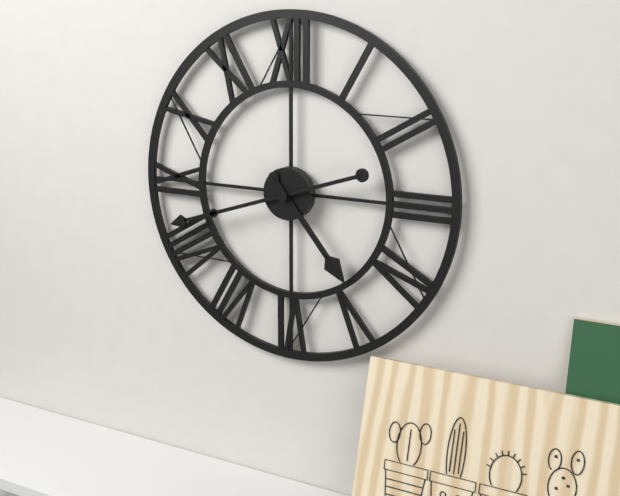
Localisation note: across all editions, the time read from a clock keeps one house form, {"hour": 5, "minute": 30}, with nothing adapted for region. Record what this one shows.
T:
{"hour": 4, "minute": 42}
